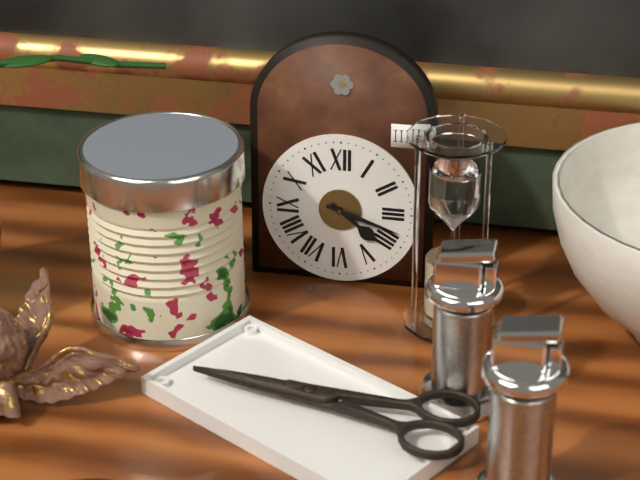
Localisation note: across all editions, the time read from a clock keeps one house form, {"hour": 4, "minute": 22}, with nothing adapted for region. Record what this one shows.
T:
{"hour": 4, "minute": 18}
